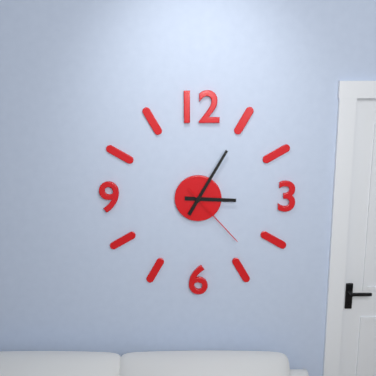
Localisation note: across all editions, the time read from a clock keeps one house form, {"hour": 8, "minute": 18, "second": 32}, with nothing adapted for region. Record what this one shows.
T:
{"hour": 3, "minute": 5, "second": 23}
